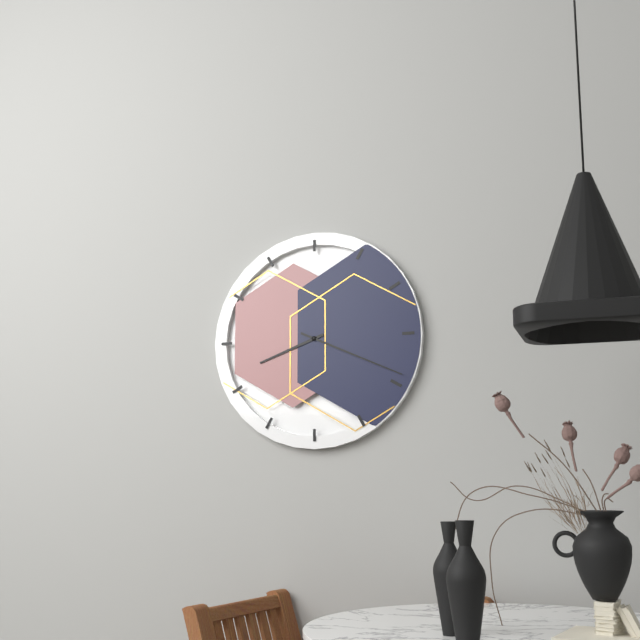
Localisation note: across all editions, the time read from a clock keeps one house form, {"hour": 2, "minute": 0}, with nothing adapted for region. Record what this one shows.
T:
{"hour": 8, "minute": 19}
